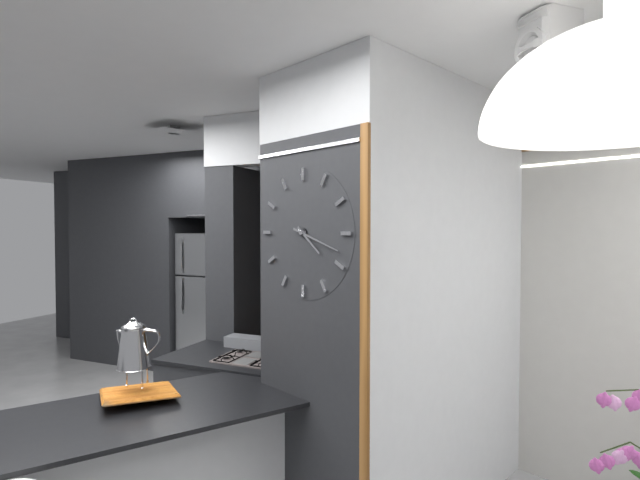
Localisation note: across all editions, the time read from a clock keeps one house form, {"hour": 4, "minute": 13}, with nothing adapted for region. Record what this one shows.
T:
{"hour": 4, "minute": 18}
